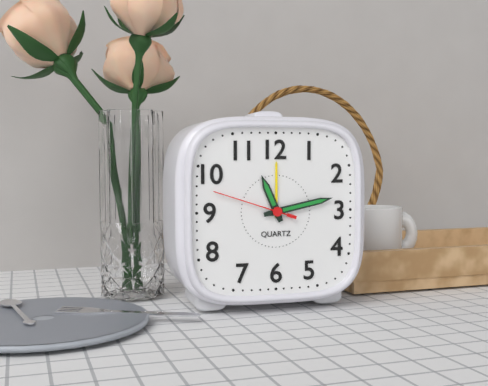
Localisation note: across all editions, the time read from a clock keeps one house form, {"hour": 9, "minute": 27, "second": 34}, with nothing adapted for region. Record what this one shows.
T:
{"hour": 11, "minute": 13, "second": 48}
